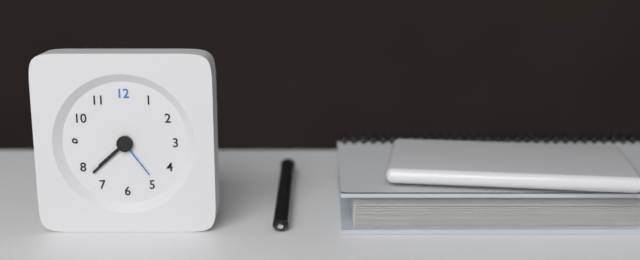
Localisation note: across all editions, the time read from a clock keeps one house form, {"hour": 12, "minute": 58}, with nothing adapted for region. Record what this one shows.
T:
{"hour": 7, "minute": 38}
